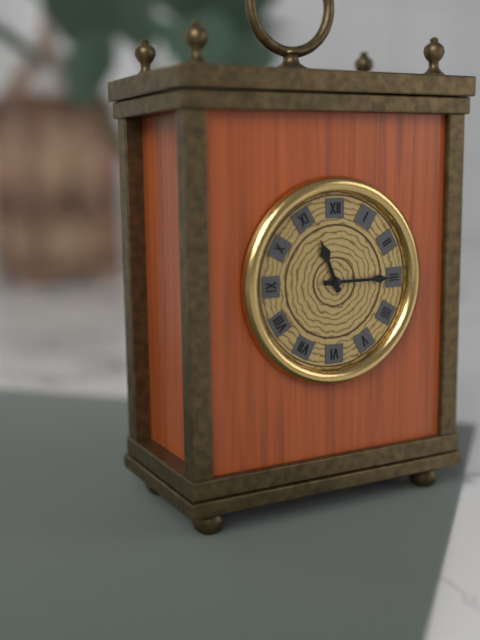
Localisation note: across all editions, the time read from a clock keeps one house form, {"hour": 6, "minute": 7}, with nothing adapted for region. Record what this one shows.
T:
{"hour": 11, "minute": 15}
